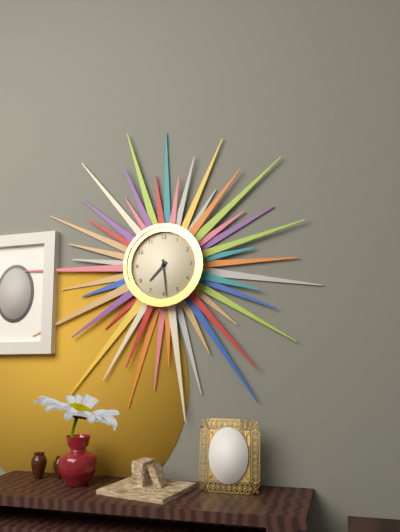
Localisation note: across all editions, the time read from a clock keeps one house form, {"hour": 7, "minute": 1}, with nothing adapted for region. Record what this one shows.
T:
{"hour": 7, "minute": 29}
